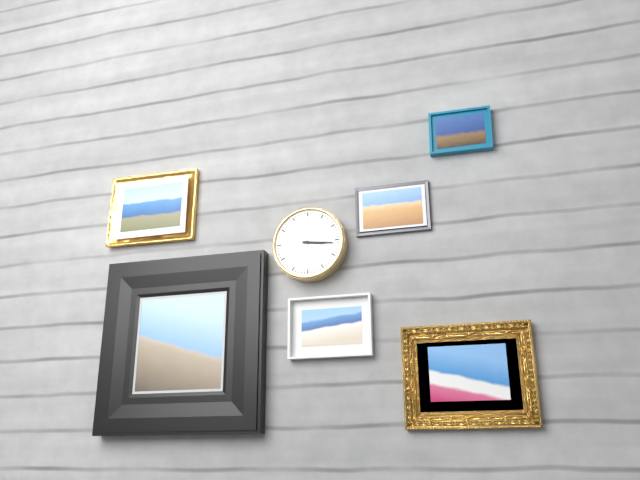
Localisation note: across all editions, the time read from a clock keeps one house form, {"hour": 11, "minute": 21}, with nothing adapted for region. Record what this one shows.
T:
{"hour": 3, "minute": 16}
